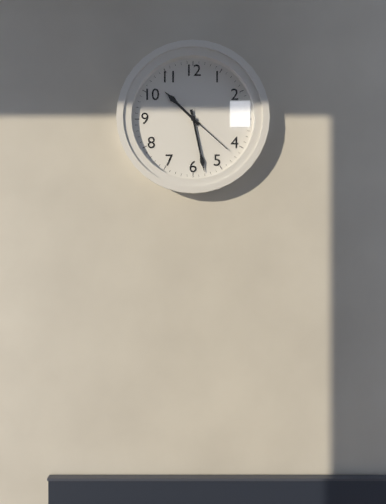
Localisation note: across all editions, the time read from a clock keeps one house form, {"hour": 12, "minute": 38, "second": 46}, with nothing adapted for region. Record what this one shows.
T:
{"hour": 10, "minute": 28, "second": 22}
